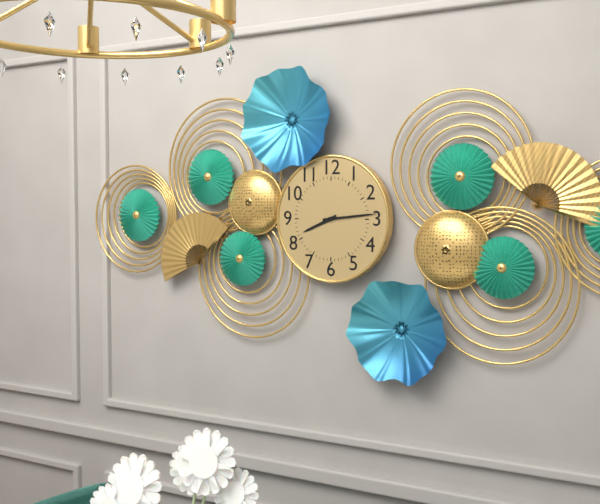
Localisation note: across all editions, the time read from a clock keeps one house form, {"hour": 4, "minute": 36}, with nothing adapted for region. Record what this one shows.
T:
{"hour": 8, "minute": 14}
